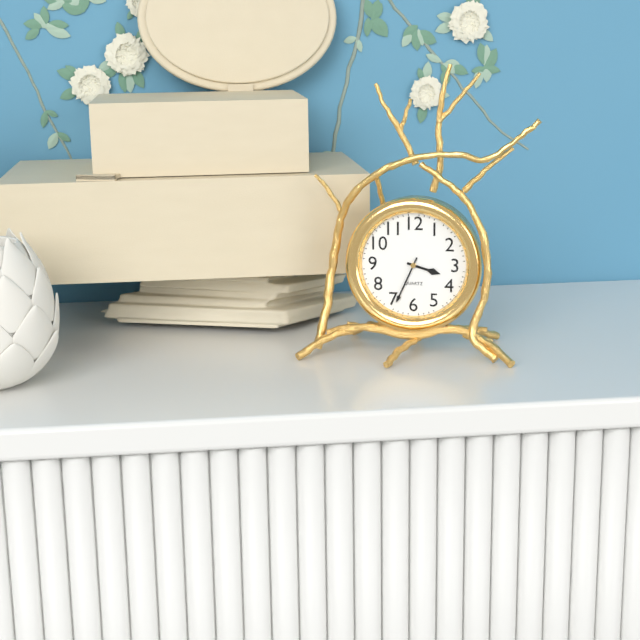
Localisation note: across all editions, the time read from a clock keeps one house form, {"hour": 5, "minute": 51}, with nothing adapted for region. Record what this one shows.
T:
{"hour": 3, "minute": 34}
